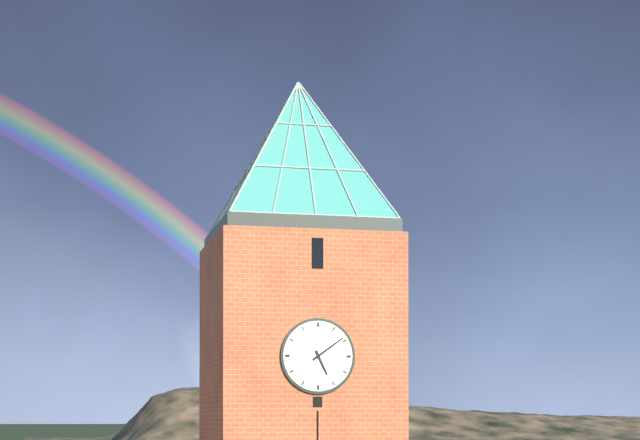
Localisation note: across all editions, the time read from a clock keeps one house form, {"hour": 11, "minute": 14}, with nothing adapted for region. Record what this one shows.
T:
{"hour": 5, "minute": 9}
